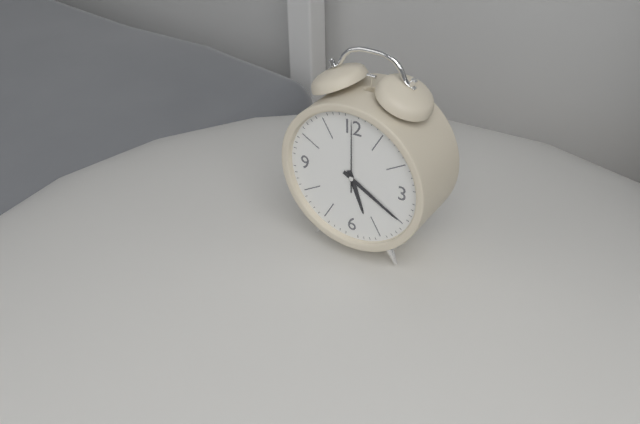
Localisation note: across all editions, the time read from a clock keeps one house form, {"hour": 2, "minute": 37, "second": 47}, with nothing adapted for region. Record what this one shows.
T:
{"hour": 5, "minute": 20, "second": 0}
